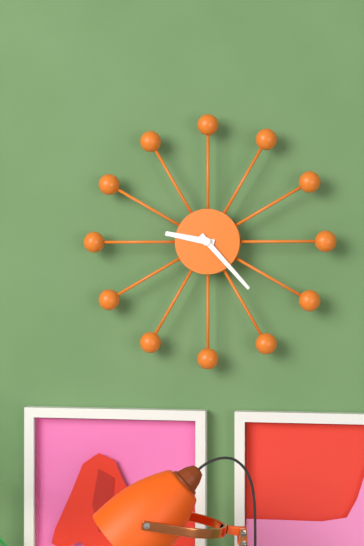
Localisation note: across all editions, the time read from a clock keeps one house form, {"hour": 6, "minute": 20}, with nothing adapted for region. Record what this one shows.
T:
{"hour": 9, "minute": 23}
